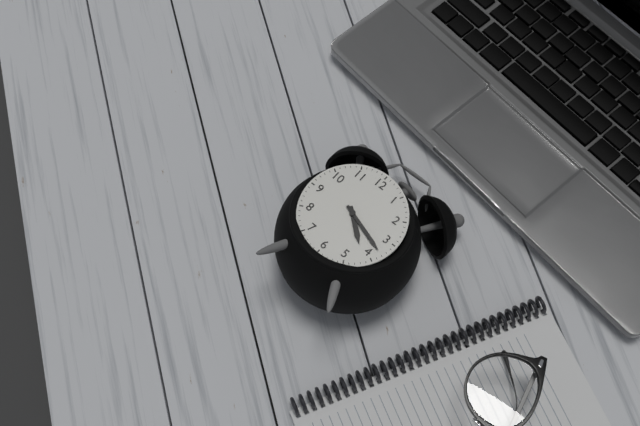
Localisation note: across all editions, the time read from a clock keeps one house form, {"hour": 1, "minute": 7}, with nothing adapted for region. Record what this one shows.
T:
{"hour": 4, "minute": 18}
